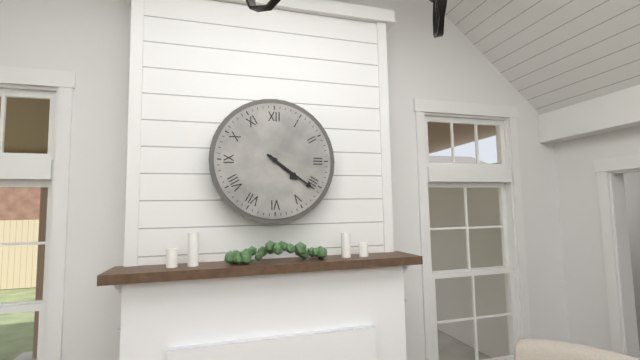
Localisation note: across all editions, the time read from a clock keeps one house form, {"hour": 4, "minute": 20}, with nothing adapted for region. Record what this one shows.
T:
{"hour": 4, "minute": 21}
